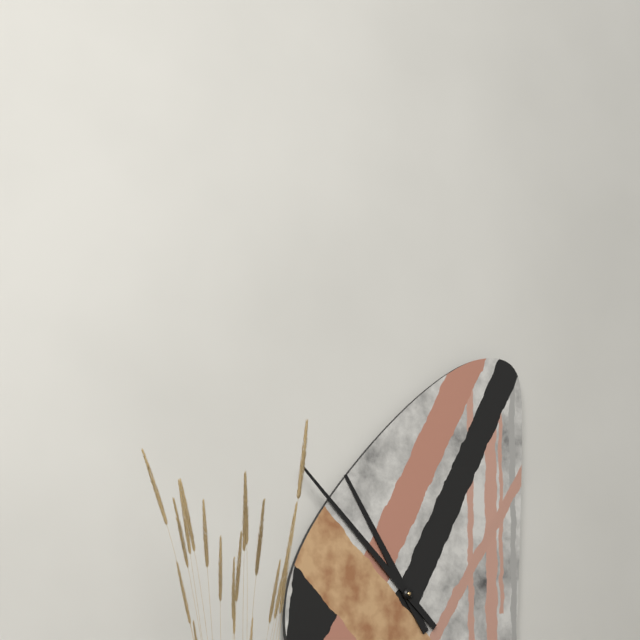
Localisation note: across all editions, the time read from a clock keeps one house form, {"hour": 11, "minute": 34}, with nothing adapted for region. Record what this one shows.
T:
{"hour": 10, "minute": 52}
